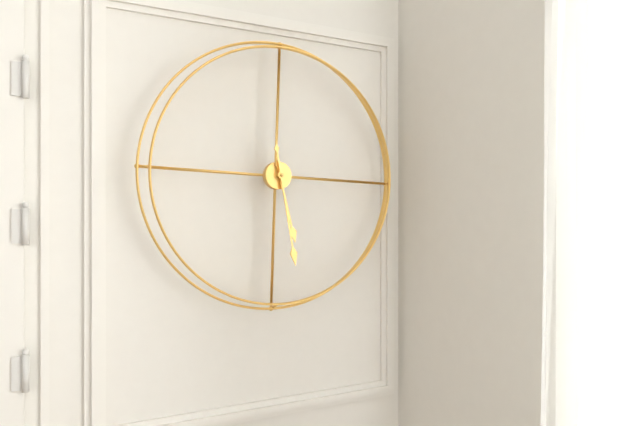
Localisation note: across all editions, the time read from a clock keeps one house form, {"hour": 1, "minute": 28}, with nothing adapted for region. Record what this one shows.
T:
{"hour": 5, "minute": 28}
